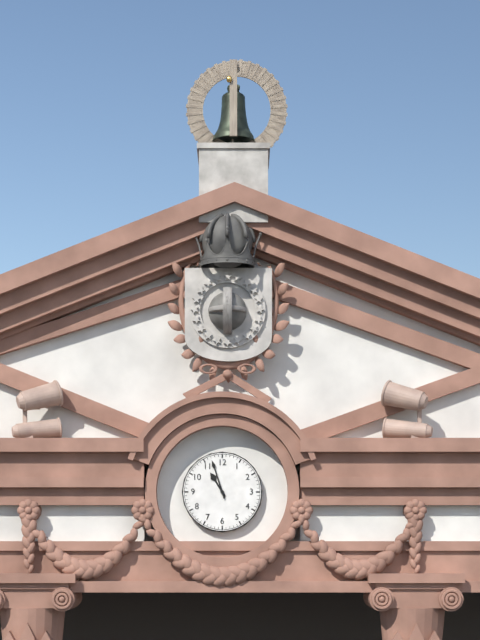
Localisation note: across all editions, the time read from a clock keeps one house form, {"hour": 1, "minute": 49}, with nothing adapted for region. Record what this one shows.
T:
{"hour": 10, "minute": 57}
